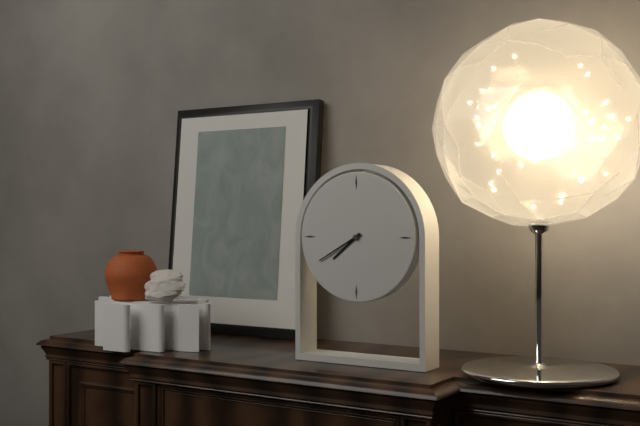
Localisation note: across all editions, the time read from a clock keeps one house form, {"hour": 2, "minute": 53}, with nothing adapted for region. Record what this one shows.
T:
{"hour": 7, "minute": 40}
